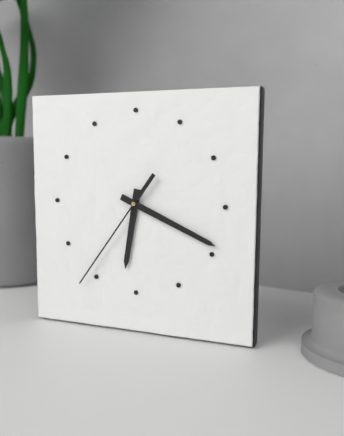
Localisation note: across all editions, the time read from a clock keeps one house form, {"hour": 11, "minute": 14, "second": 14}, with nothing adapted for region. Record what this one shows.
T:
{"hour": 6, "minute": 19, "second": 36}
